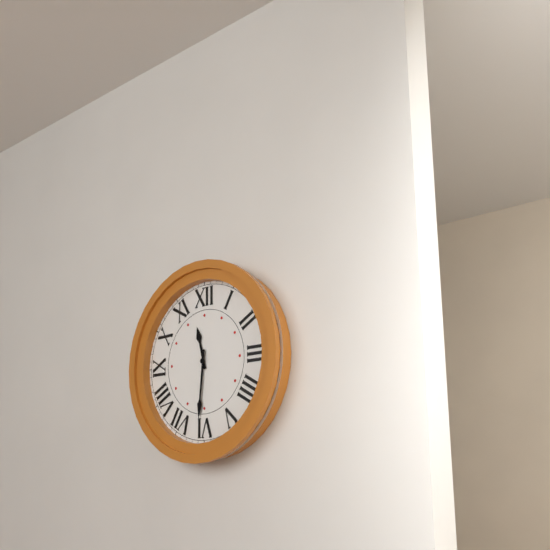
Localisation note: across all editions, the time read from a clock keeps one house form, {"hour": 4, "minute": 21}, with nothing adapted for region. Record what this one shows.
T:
{"hour": 11, "minute": 31}
